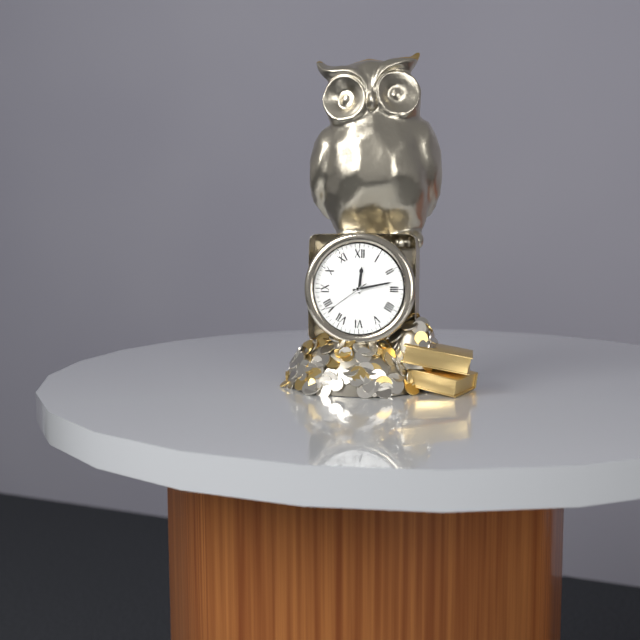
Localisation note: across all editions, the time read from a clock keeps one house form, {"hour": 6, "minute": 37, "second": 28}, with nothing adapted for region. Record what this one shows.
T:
{"hour": 12, "minute": 13, "second": 39}
